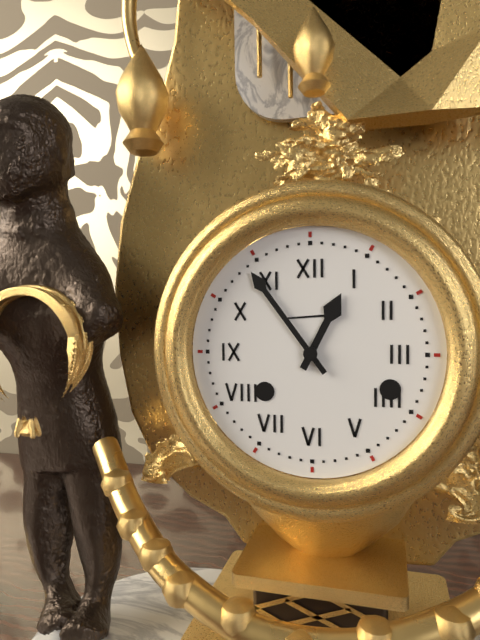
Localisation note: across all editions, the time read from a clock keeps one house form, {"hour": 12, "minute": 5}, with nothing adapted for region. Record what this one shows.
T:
{"hour": 12, "minute": 54}
